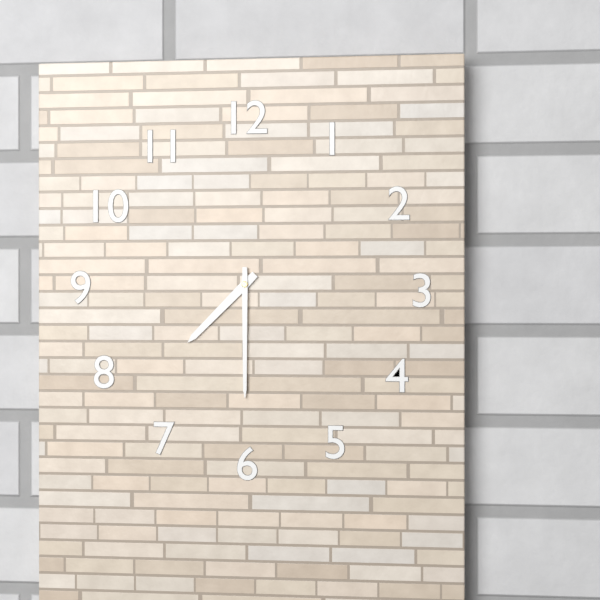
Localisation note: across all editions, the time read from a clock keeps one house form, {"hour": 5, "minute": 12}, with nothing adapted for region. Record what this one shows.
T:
{"hour": 7, "minute": 30}
